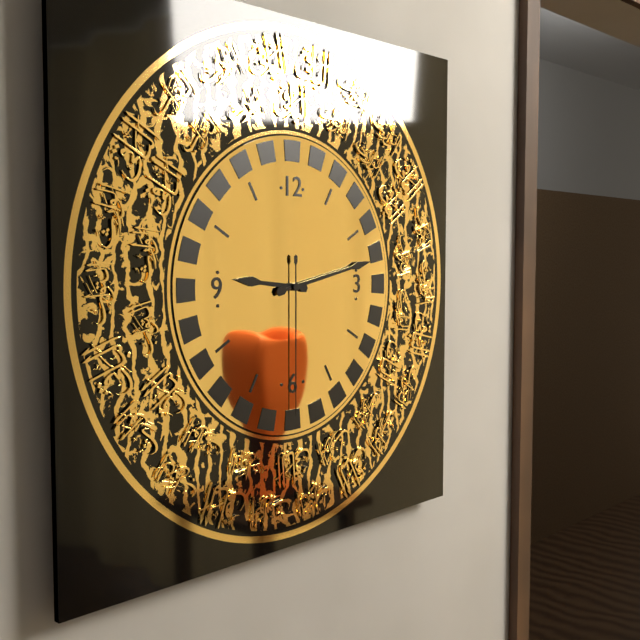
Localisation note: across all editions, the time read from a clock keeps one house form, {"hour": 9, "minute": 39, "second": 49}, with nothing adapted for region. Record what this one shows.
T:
{"hour": 9, "minute": 13, "second": 30}
